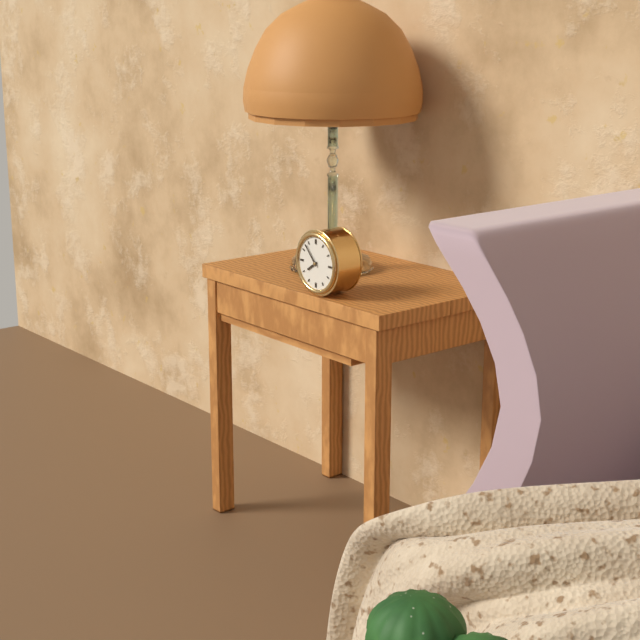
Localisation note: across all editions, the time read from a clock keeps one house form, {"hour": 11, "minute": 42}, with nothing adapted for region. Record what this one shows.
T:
{"hour": 7, "minute": 53}
